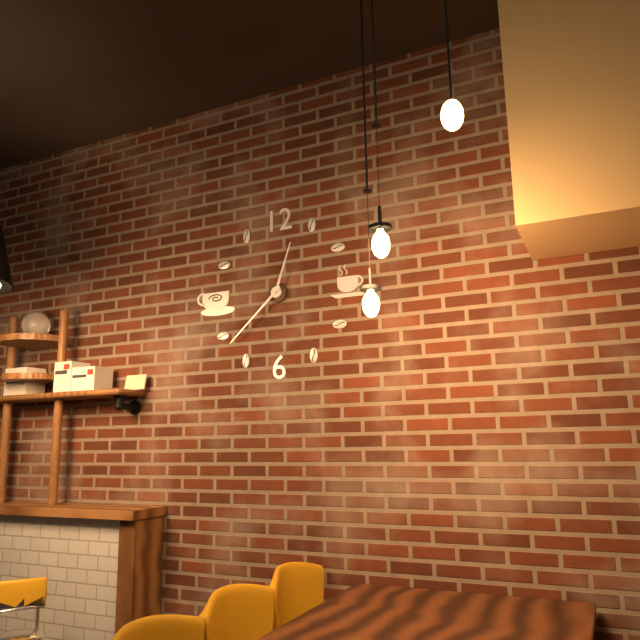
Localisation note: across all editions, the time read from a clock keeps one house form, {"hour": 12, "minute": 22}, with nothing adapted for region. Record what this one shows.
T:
{"hour": 12, "minute": 38}
